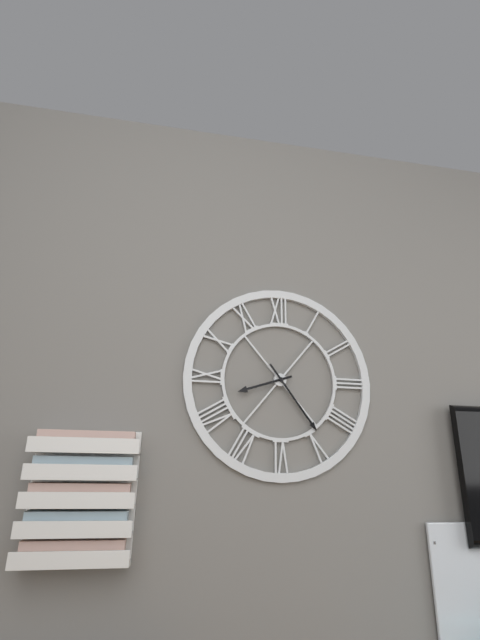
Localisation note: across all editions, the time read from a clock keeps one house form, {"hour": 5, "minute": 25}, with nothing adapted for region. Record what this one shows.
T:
{"hour": 8, "minute": 24}
